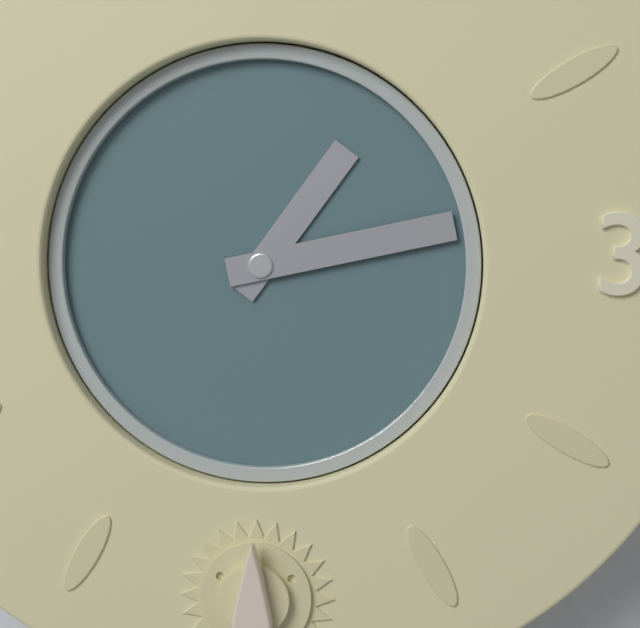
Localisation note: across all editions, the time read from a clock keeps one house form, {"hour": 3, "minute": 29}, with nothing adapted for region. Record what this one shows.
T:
{"hour": 1, "minute": 13}
